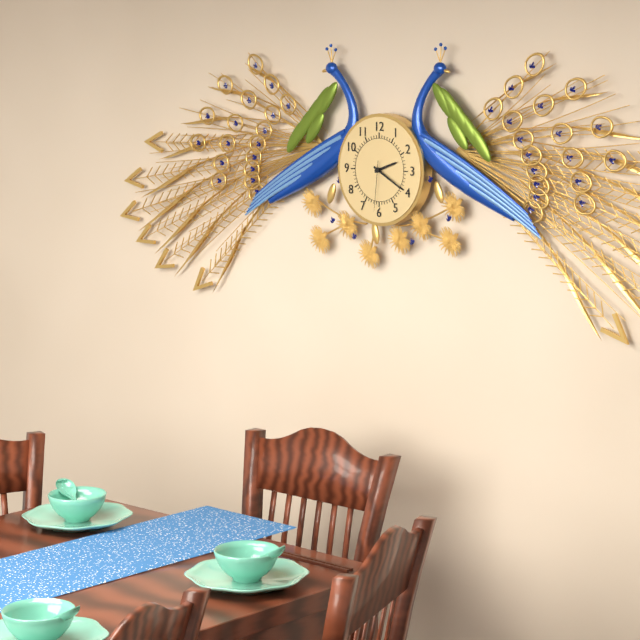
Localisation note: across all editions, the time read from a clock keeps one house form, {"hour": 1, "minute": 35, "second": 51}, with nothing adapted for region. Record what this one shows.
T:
{"hour": 2, "minute": 20, "second": 31}
